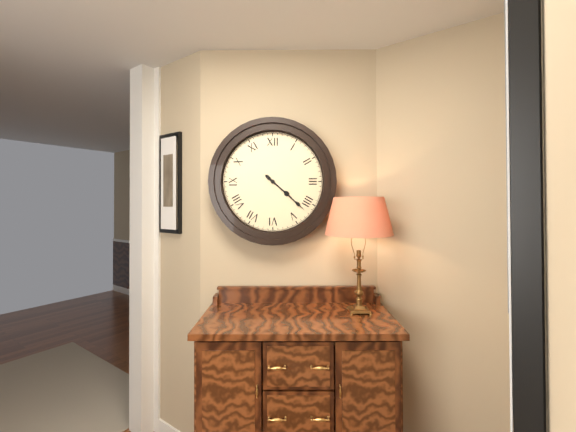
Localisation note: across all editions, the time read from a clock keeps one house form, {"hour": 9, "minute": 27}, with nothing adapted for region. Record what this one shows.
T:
{"hour": 4, "minute": 22}
